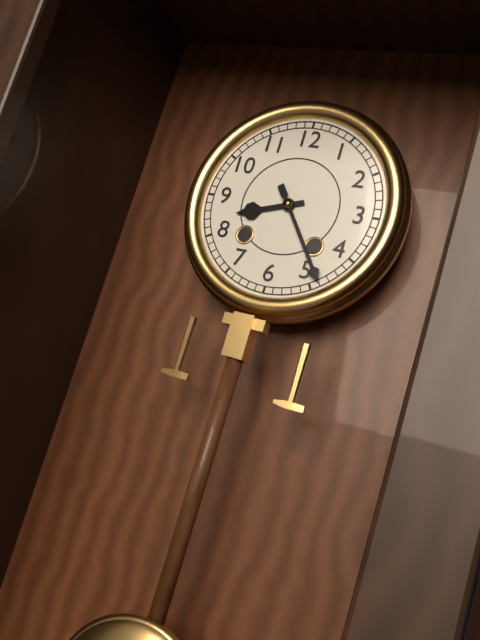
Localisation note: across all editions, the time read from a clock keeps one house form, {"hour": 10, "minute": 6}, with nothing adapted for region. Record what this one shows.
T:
{"hour": 8, "minute": 24}
